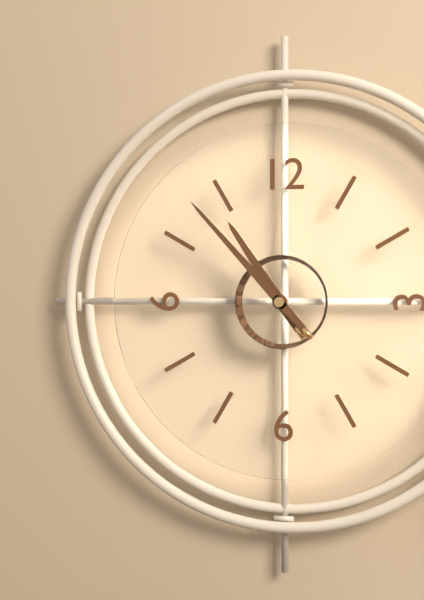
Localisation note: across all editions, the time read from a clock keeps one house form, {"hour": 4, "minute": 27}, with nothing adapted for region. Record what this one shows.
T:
{"hour": 10, "minute": 53}
